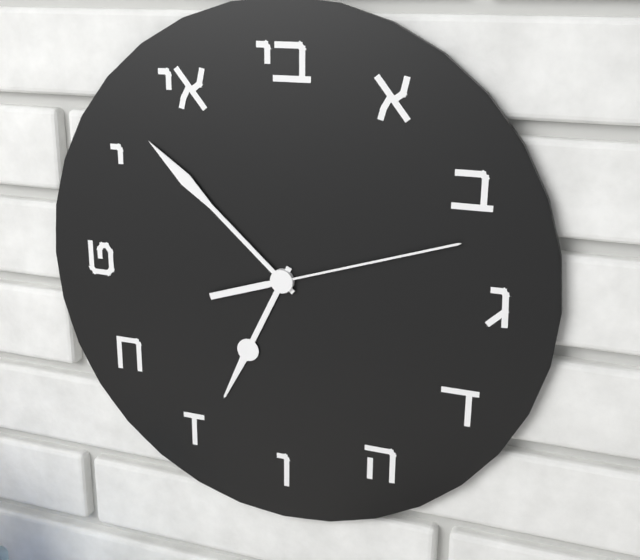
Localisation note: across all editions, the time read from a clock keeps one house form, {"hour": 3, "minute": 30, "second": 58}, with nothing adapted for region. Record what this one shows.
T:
{"hour": 6, "minute": 52, "second": 12}
